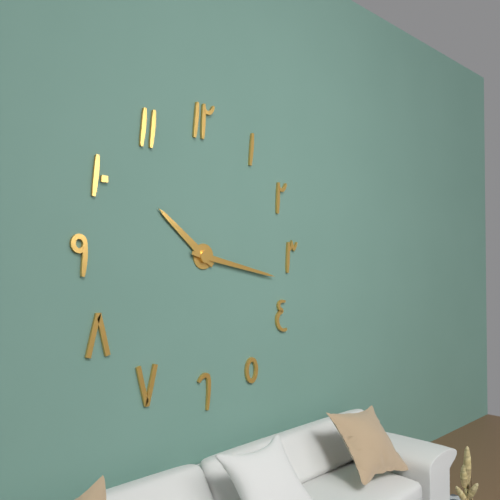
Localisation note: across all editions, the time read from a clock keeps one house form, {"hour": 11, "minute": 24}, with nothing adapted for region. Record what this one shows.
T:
{"hour": 10, "minute": 17}
